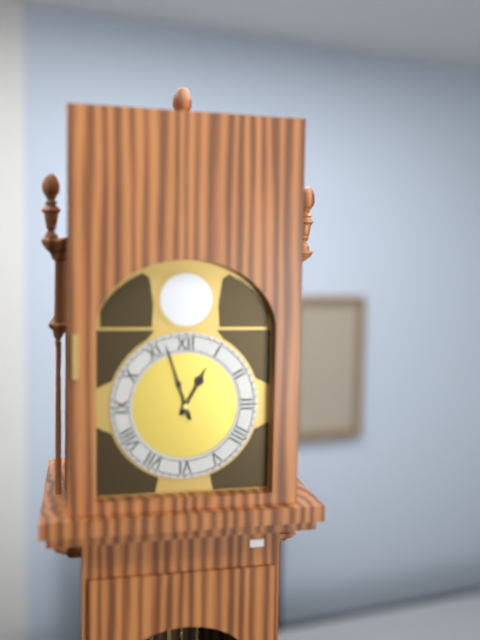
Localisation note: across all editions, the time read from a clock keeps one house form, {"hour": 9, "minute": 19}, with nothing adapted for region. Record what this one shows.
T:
{"hour": 12, "minute": 57}
